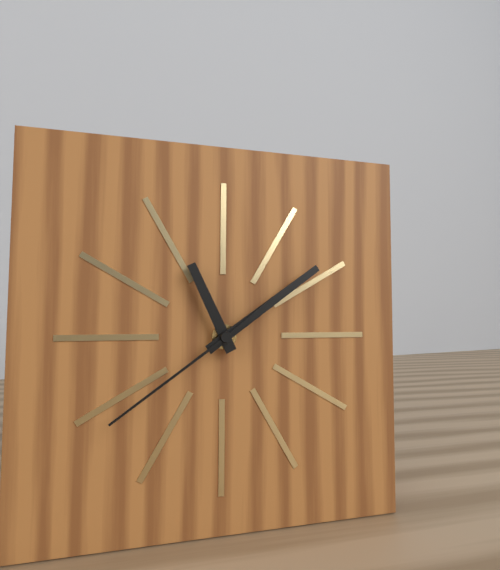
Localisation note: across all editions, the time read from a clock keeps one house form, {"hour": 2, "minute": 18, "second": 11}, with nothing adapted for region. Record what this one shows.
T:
{"hour": 11, "minute": 9, "second": 39}
